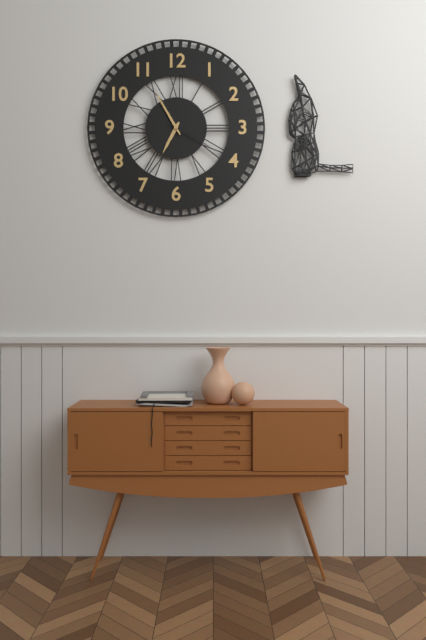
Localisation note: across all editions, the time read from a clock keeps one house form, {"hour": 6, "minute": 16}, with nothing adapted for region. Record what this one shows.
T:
{"hour": 6, "minute": 55}
